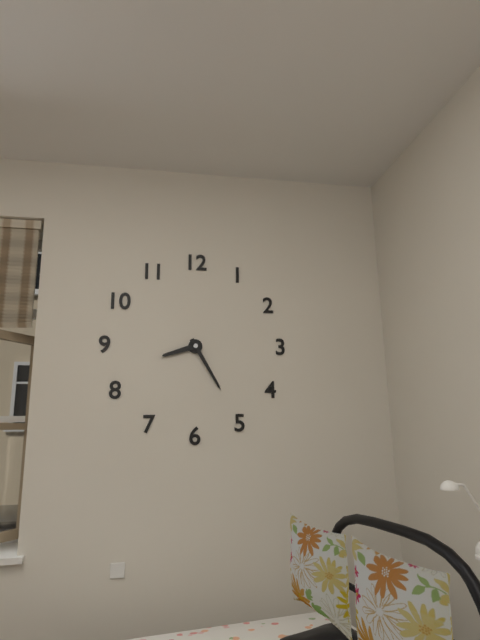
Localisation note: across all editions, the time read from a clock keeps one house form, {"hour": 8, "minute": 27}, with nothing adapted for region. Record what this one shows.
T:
{"hour": 8, "minute": 25}
